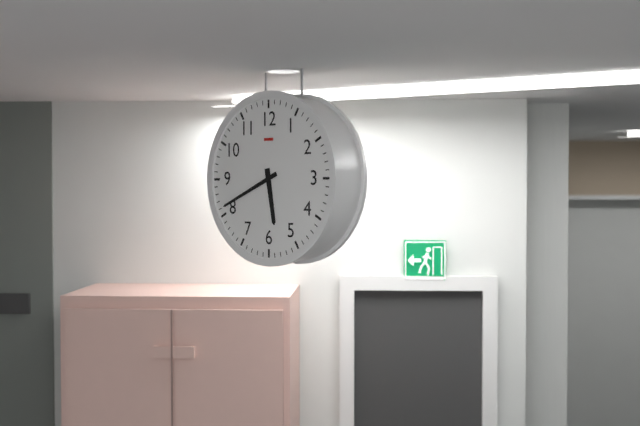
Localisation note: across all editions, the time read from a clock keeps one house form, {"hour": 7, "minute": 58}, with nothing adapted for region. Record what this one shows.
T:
{"hour": 5, "minute": 41}
